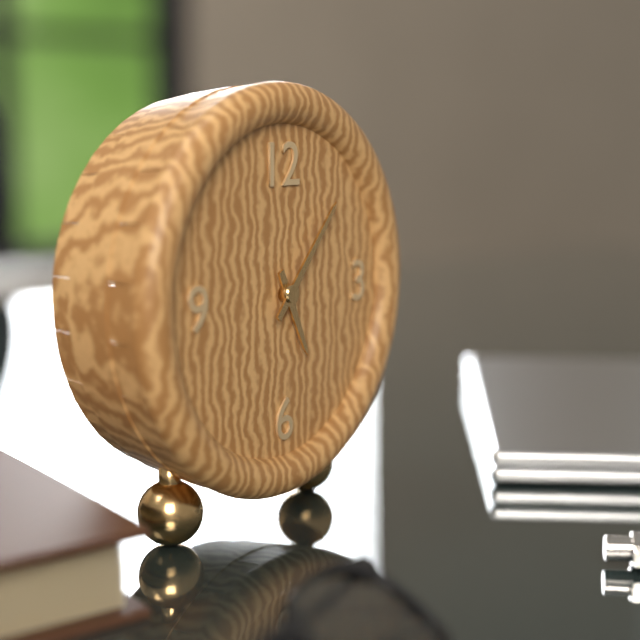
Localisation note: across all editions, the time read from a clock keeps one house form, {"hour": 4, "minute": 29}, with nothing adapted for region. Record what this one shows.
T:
{"hour": 5, "minute": 7}
